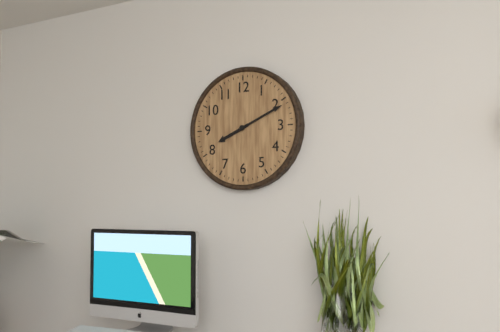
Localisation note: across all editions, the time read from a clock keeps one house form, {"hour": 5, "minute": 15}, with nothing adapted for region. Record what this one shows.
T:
{"hour": 8, "minute": 11}
